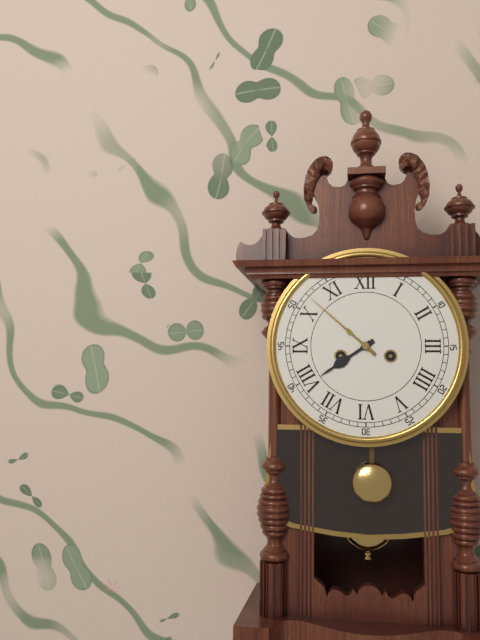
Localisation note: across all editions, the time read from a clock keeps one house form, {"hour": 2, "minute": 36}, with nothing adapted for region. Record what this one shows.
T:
{"hour": 7, "minute": 52}
